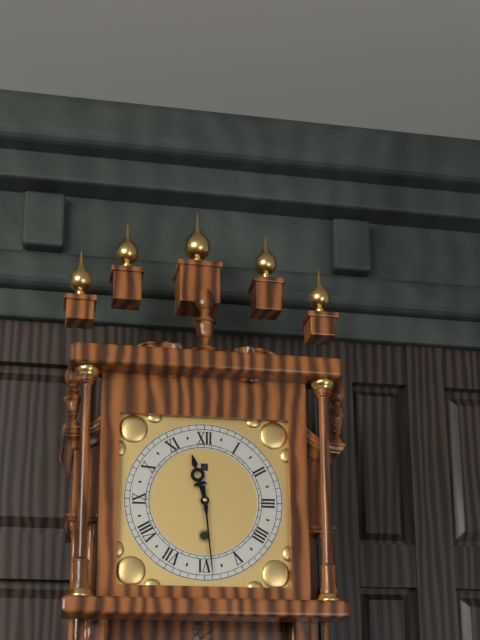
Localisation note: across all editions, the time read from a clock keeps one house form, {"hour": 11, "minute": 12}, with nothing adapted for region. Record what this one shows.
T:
{"hour": 11, "minute": 29}
